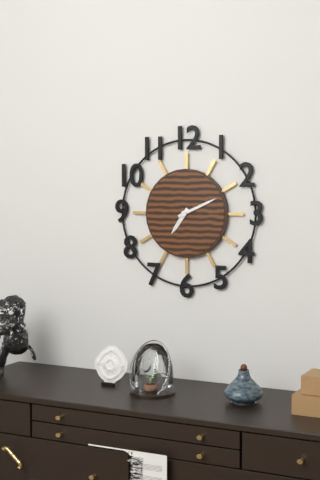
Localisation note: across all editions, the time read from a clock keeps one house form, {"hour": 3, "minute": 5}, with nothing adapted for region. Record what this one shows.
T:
{"hour": 7, "minute": 11}
